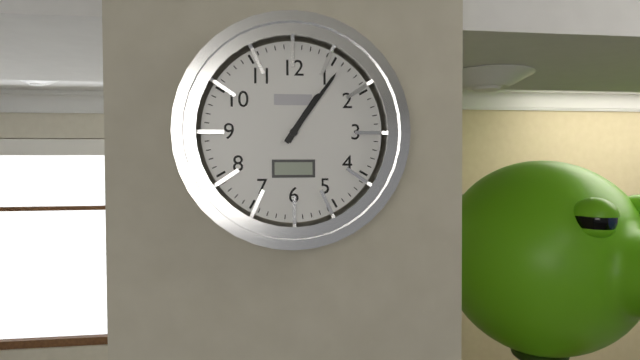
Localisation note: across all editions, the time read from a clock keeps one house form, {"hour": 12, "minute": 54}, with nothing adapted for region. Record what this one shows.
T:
{"hour": 1, "minute": 6}
